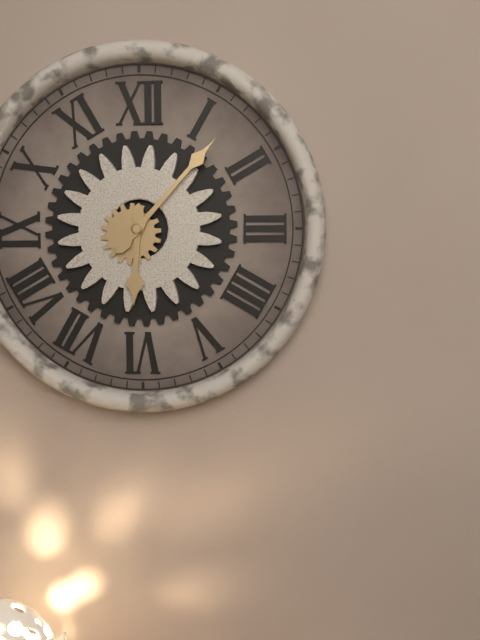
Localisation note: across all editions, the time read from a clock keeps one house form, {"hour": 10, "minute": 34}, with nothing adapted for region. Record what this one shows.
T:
{"hour": 6, "minute": 7}
